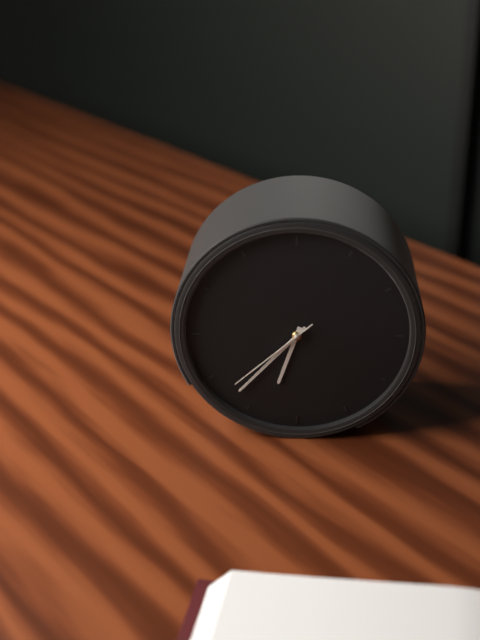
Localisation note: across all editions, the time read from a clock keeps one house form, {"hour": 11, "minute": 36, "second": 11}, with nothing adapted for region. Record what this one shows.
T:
{"hour": 6, "minute": 37, "second": 38}
